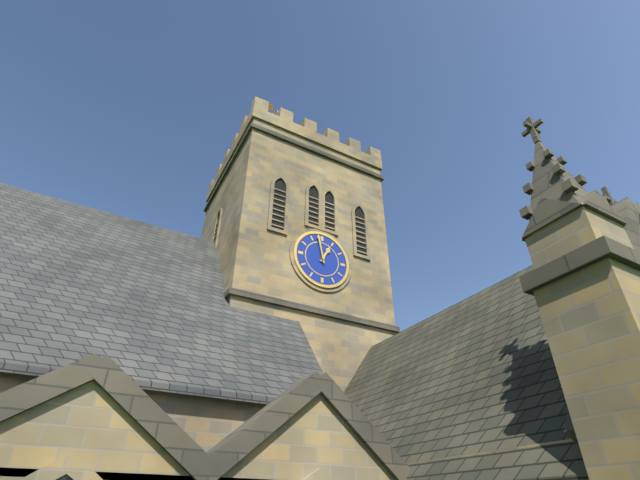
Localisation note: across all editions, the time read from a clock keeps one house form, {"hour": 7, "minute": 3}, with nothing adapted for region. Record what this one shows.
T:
{"hour": 12, "minute": 58}
